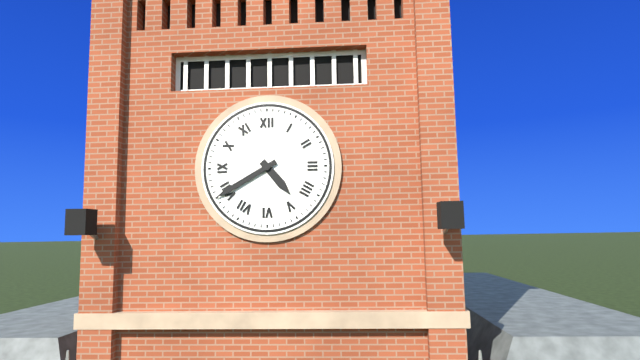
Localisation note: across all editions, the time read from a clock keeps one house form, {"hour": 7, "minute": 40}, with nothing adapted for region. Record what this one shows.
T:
{"hour": 4, "minute": 40}
